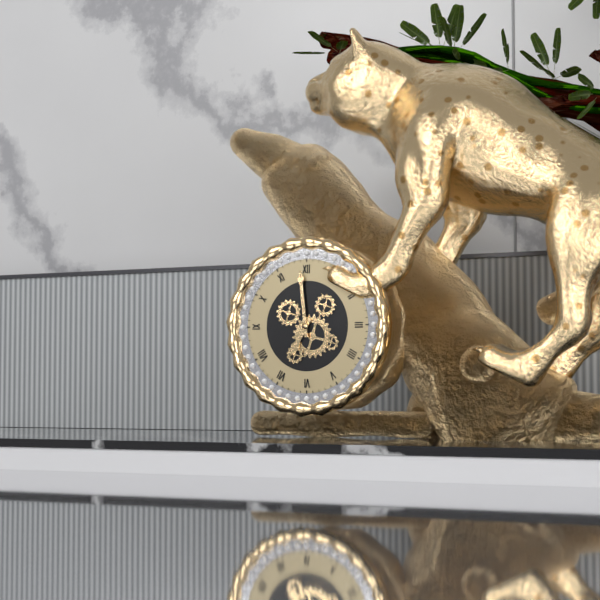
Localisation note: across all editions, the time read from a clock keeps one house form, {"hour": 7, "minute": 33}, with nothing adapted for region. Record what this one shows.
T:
{"hour": 6, "minute": 59}
